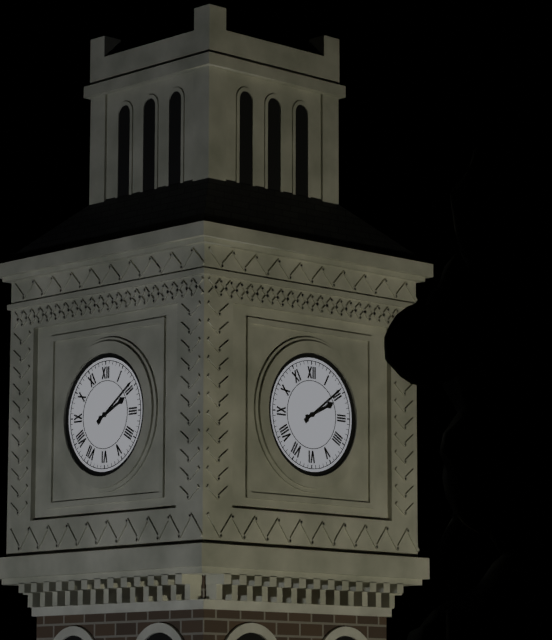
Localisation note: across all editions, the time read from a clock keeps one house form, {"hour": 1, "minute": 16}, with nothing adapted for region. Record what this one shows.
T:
{"hour": 2, "minute": 9}
